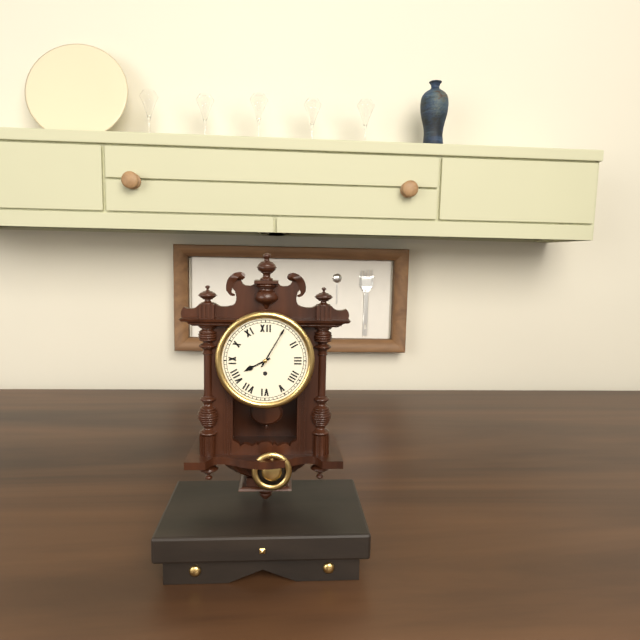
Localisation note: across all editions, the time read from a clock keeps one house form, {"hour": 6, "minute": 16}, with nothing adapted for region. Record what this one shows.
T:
{"hour": 8, "minute": 5}
